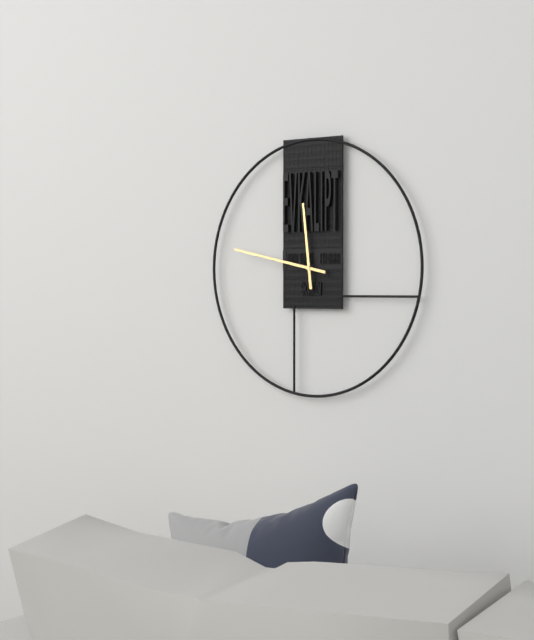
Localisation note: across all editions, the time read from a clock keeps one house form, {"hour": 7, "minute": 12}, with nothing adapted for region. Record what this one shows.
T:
{"hour": 11, "minute": 47}
